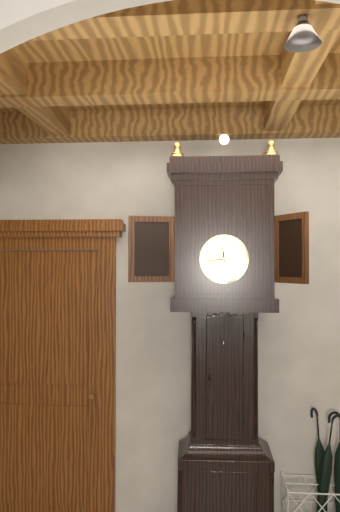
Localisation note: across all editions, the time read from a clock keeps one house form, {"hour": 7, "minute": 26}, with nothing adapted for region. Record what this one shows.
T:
{"hour": 11, "minute": 44}
